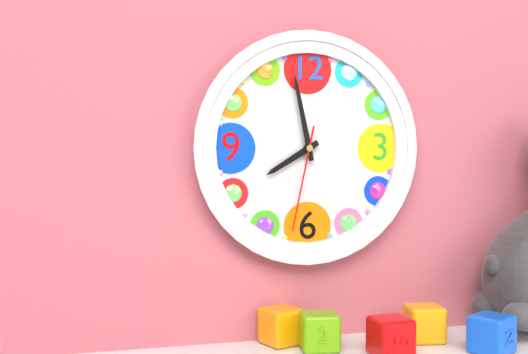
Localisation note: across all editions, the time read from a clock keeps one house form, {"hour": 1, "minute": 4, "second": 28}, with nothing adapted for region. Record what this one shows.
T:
{"hour": 7, "minute": 58, "second": 32}
